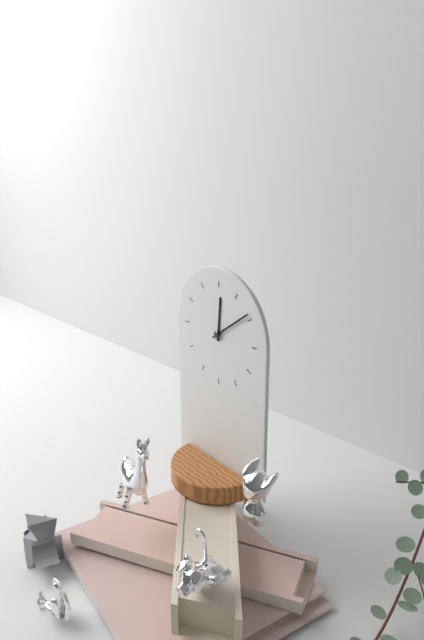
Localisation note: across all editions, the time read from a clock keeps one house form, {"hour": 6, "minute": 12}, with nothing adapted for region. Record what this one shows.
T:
{"hour": 12, "minute": 9}
